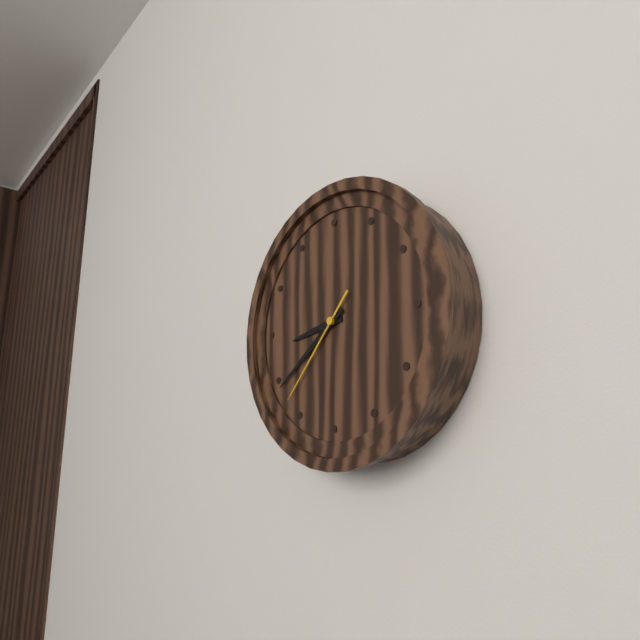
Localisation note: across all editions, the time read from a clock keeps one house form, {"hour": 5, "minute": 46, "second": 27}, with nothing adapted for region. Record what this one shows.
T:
{"hour": 8, "minute": 39, "second": 37}
